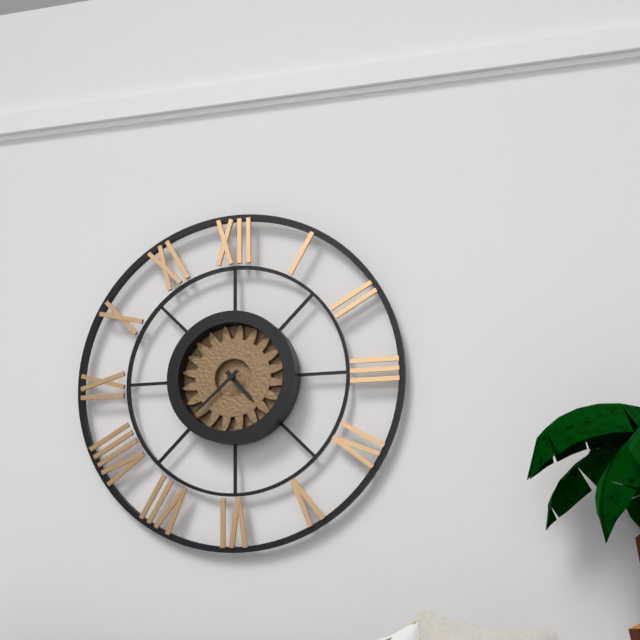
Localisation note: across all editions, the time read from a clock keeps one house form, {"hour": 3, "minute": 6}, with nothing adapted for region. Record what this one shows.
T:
{"hour": 4, "minute": 38}
